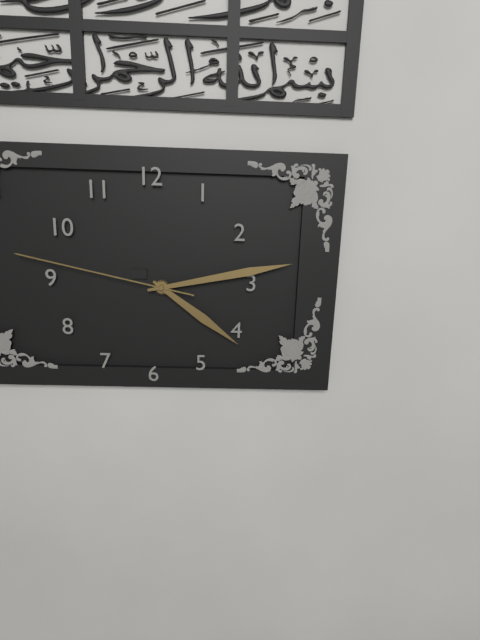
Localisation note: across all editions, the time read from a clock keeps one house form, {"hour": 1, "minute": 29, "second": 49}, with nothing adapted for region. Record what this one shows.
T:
{"hour": 4, "minute": 13, "second": 47}
